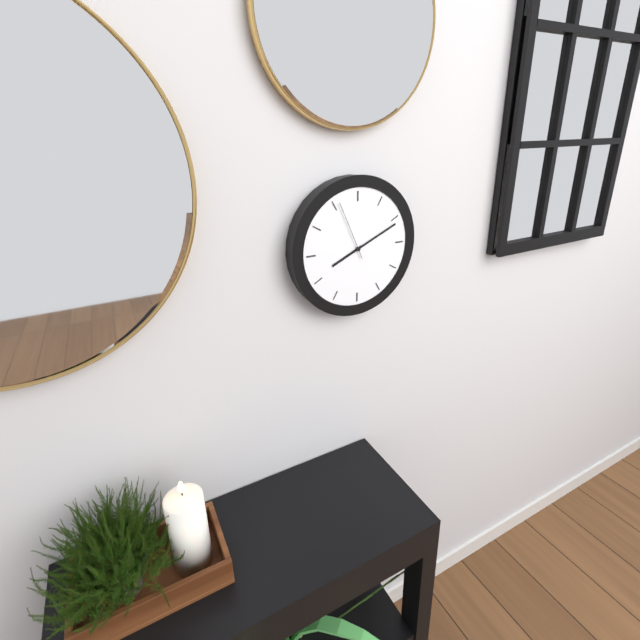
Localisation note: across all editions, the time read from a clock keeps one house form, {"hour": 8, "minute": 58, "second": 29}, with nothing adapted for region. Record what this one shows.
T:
{"hour": 8, "minute": 11, "second": 56}
